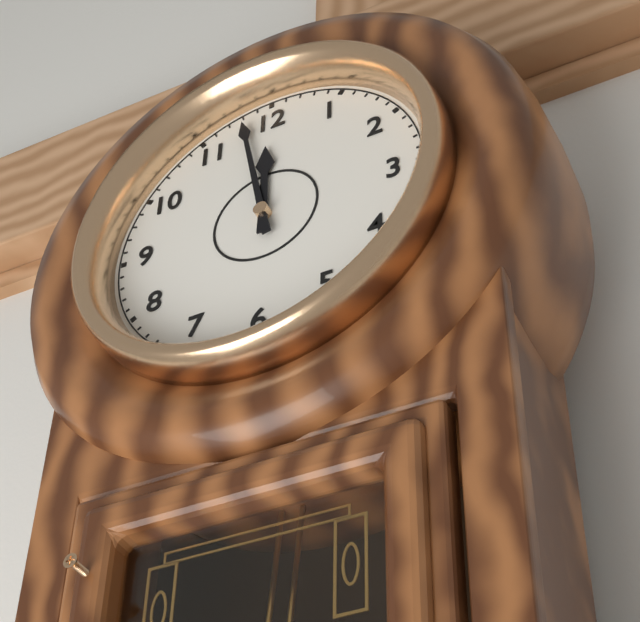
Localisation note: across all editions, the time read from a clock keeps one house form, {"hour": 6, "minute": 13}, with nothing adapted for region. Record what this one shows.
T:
{"hour": 11, "minute": 58}
